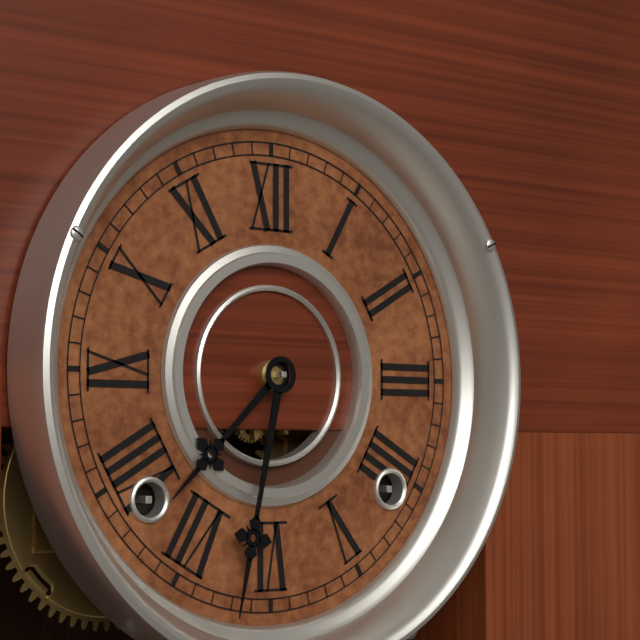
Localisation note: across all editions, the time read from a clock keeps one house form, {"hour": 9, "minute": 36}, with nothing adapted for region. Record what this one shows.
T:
{"hour": 7, "minute": 32}
